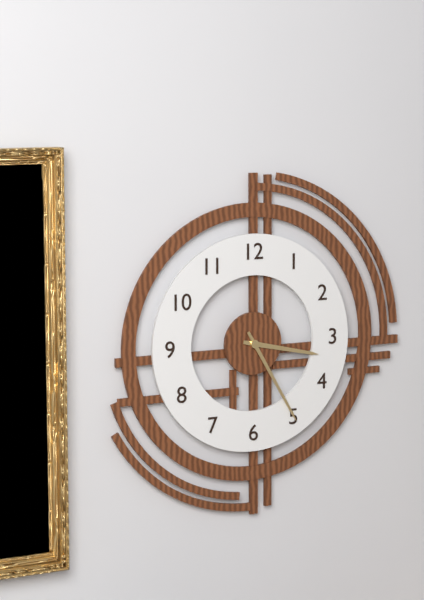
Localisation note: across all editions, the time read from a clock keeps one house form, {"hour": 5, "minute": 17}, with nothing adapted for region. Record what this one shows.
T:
{"hour": 3, "minute": 25}
